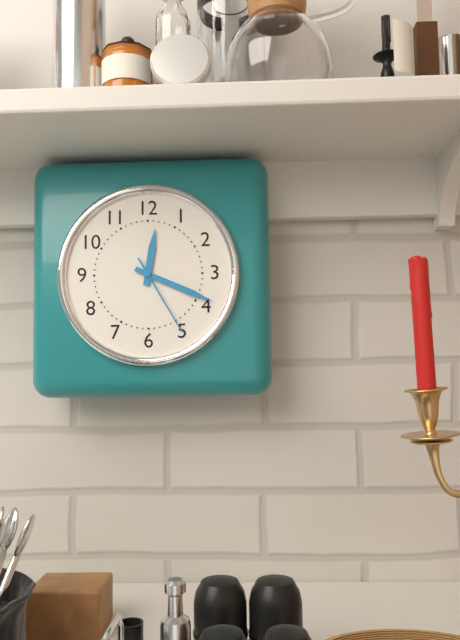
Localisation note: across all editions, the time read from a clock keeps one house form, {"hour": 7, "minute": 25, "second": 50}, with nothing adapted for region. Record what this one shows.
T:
{"hour": 12, "minute": 19, "second": 25}
